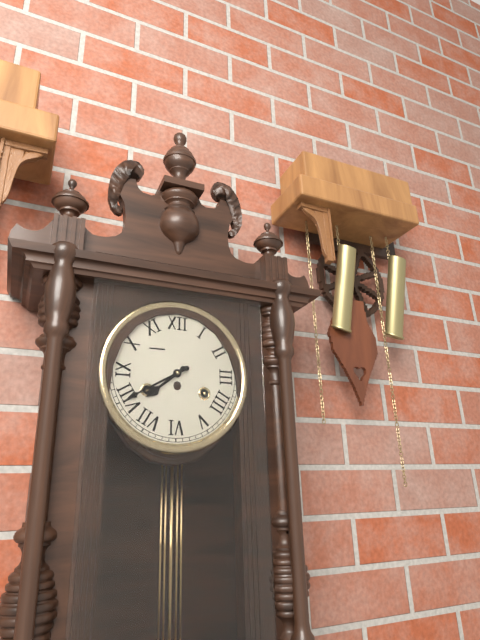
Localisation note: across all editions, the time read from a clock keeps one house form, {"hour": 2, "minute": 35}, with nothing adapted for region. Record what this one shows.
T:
{"hour": 7, "minute": 40}
